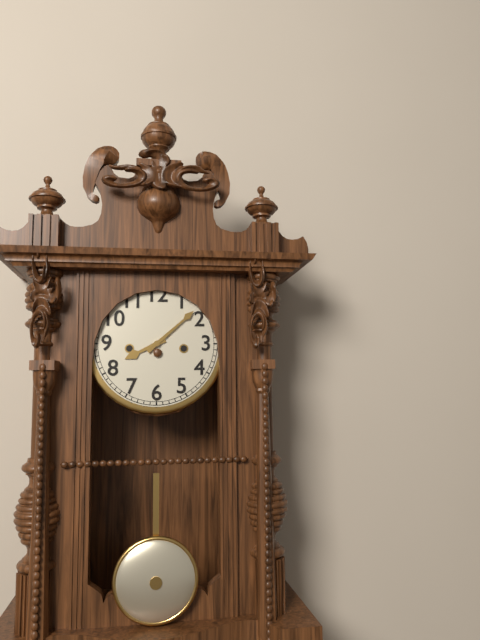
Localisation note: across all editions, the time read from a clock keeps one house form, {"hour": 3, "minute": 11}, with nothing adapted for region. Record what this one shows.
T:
{"hour": 8, "minute": 8}
